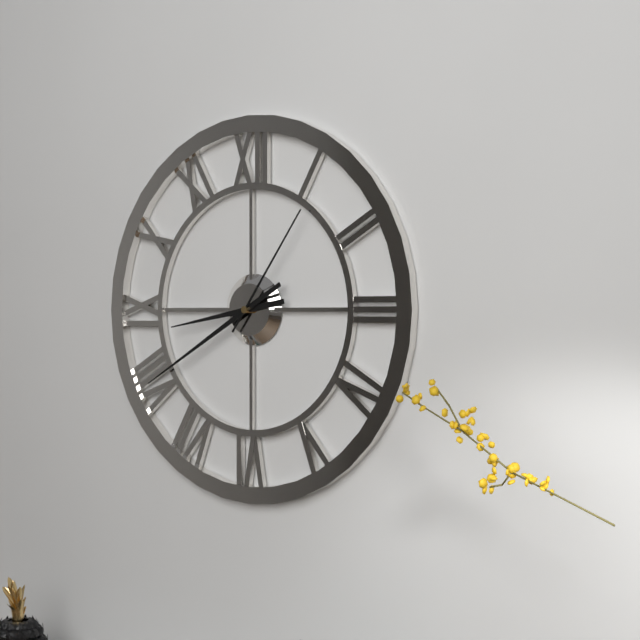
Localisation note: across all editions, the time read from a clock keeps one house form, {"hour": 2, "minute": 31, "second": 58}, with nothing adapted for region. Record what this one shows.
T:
{"hour": 8, "minute": 40, "second": 6}
